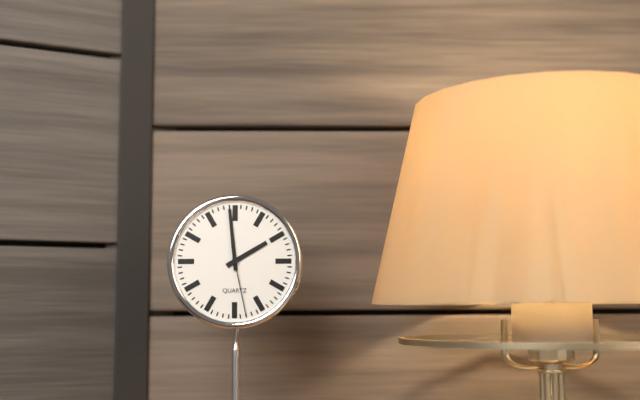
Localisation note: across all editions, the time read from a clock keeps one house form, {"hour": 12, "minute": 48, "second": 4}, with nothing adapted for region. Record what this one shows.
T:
{"hour": 1, "minute": 59, "second": 28}
